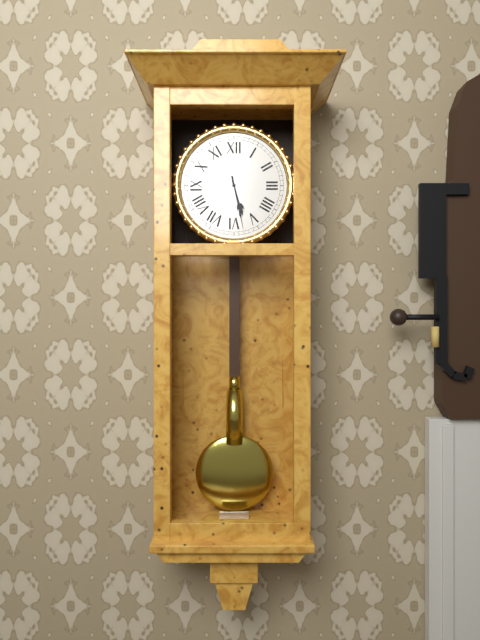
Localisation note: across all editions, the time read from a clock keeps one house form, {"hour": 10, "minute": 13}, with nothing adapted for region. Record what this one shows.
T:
{"hour": 5, "minute": 28}
